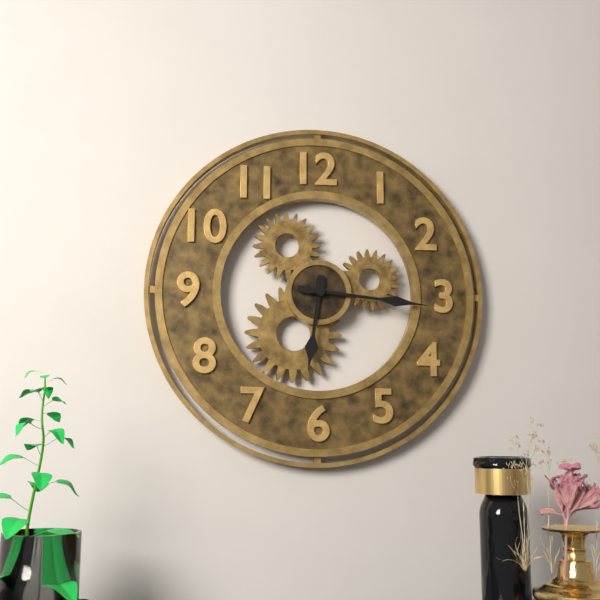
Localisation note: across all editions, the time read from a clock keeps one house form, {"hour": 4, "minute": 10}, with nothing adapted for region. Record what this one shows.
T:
{"hour": 6, "minute": 16}
